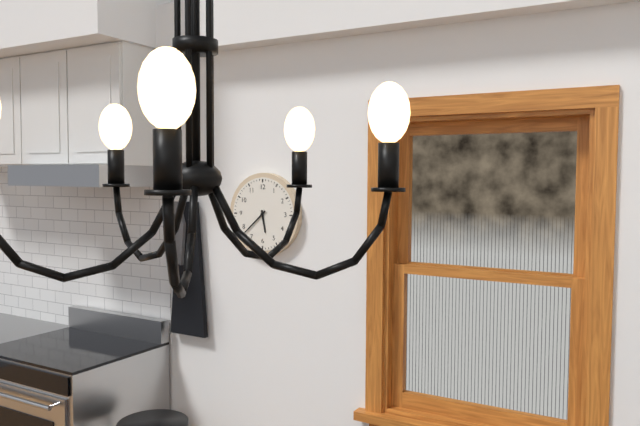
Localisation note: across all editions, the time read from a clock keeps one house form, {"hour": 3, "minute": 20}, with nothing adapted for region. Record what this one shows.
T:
{"hour": 5, "minute": 38}
